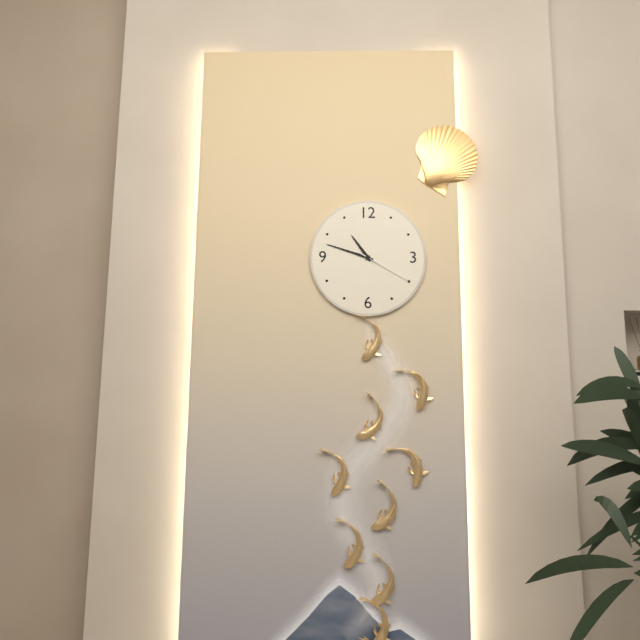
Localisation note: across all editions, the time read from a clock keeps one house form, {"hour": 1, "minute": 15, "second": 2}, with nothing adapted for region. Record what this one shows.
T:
{"hour": 10, "minute": 48, "second": 20}
